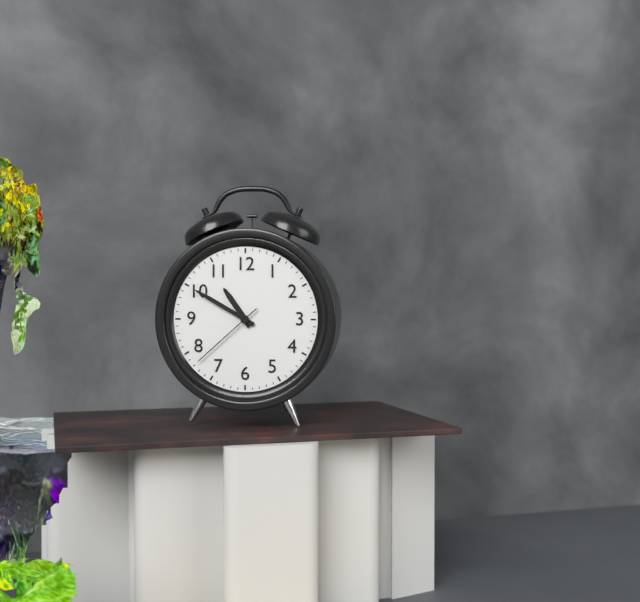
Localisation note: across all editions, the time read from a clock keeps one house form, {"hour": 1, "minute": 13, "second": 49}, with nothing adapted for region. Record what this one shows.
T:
{"hour": 10, "minute": 50, "second": 38}
